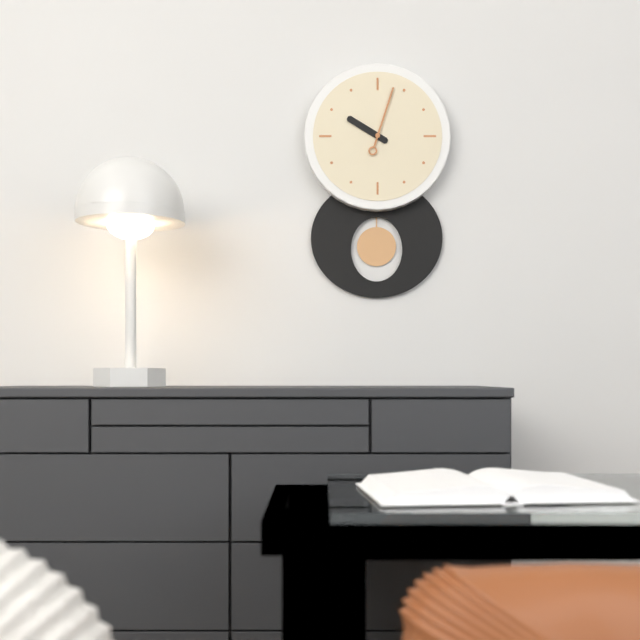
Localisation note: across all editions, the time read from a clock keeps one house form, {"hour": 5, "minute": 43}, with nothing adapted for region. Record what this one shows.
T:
{"hour": 10, "minute": 3}
